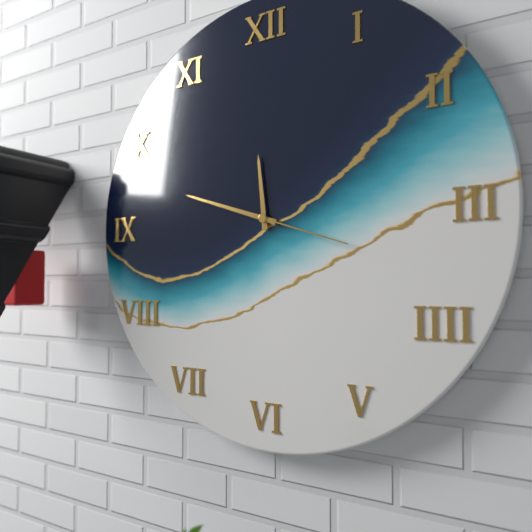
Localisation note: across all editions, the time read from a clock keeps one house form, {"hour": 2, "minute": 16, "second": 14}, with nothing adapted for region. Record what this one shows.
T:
{"hour": 11, "minute": 48, "second": 18}
